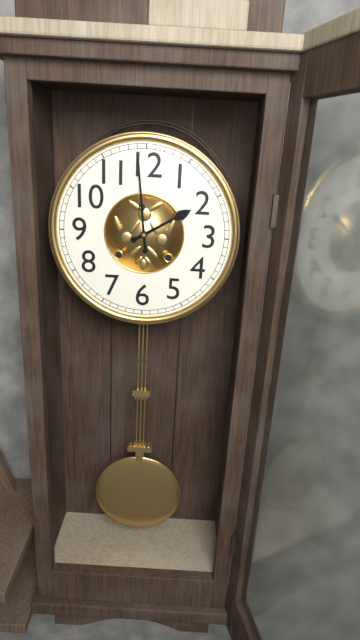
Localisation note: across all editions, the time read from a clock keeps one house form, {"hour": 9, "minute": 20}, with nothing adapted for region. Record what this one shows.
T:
{"hour": 1, "minute": 59}
